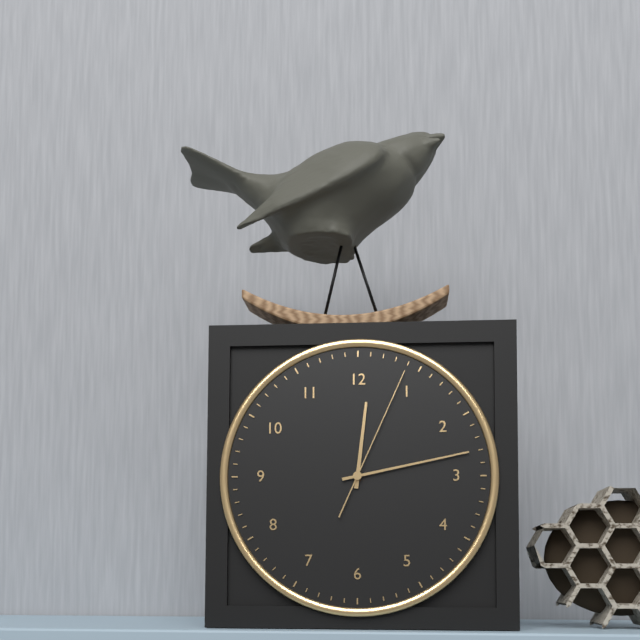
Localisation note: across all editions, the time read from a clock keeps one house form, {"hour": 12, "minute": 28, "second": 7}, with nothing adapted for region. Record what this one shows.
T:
{"hour": 12, "minute": 13, "second": 4}
